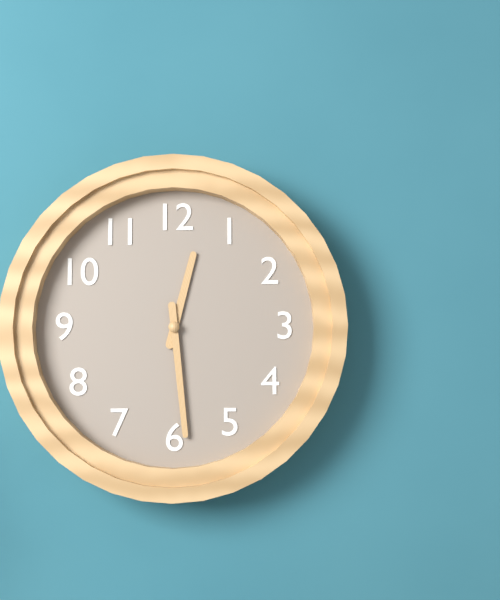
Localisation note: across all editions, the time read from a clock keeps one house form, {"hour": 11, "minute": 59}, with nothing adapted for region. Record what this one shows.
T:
{"hour": 12, "minute": 29}
